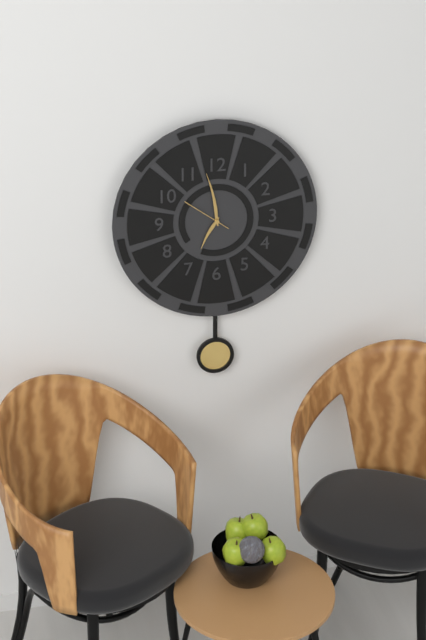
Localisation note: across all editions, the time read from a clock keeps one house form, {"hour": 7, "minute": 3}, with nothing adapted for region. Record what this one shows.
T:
{"hour": 6, "minute": 58}
